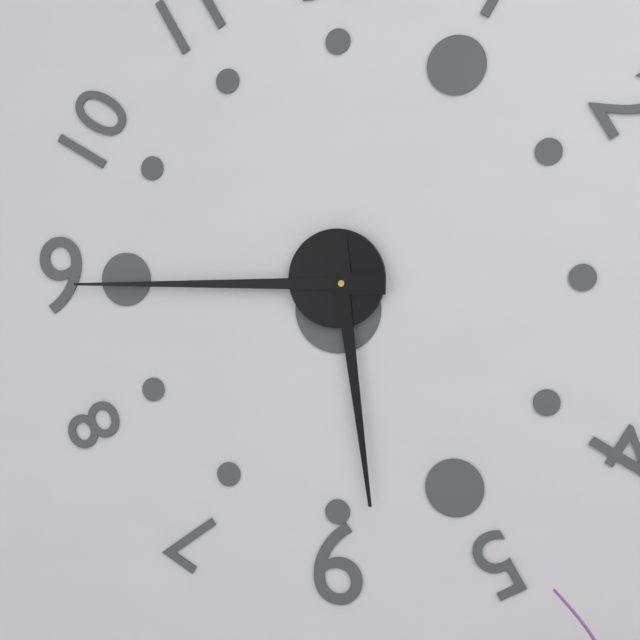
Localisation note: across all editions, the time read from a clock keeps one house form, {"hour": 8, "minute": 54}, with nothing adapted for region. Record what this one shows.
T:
{"hour": 5, "minute": 45}
